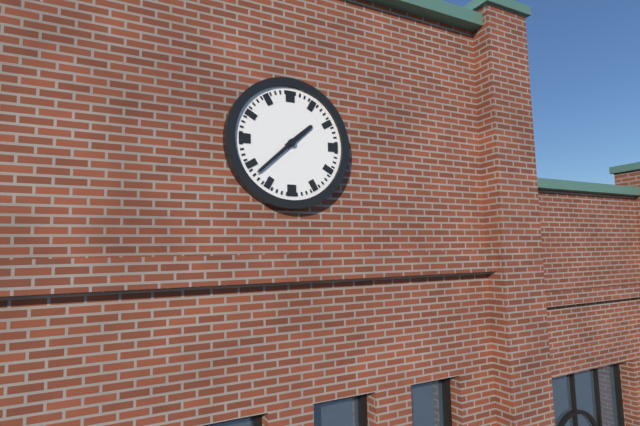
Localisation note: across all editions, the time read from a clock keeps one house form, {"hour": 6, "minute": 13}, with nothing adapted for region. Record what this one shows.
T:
{"hour": 1, "minute": 38}
